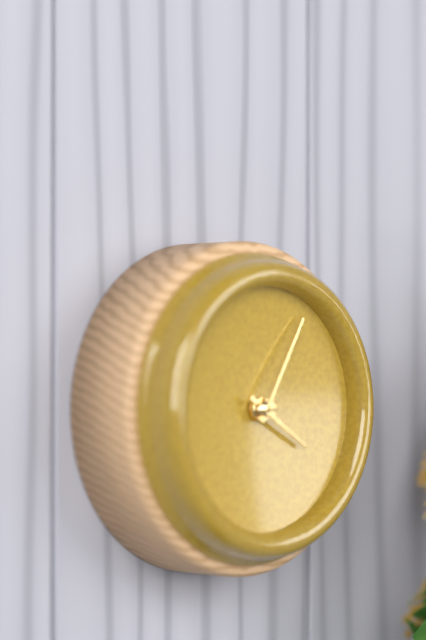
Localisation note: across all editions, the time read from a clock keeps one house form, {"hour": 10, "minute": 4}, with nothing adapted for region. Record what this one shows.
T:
{"hour": 4, "minute": 5}
